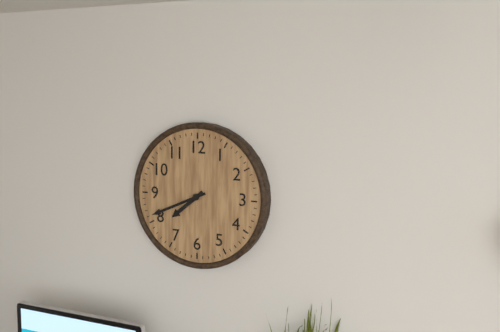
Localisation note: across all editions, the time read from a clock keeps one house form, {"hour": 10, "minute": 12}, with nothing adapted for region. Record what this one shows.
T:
{"hour": 7, "minute": 41}
